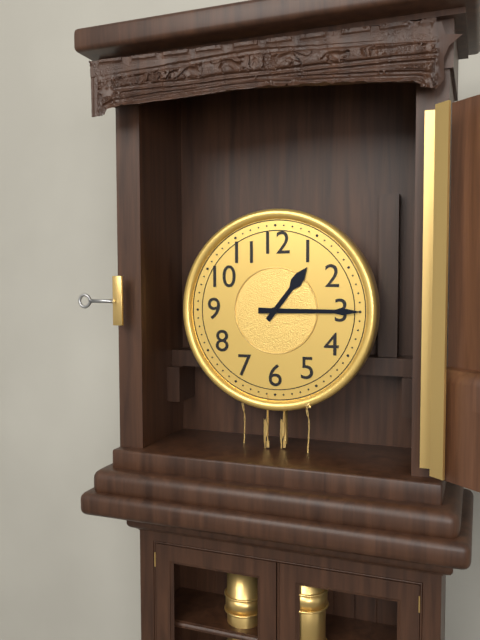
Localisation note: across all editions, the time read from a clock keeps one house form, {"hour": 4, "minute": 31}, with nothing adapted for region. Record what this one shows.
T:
{"hour": 1, "minute": 15}
